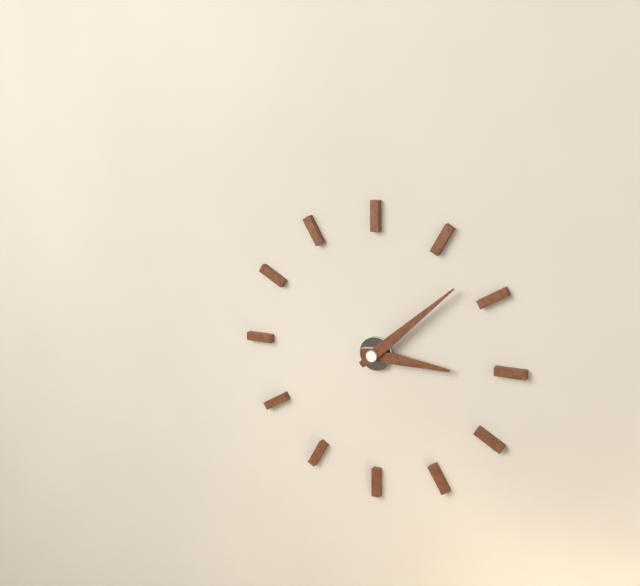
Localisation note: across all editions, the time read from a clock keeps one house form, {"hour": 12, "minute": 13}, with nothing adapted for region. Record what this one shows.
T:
{"hour": 3, "minute": 8}
